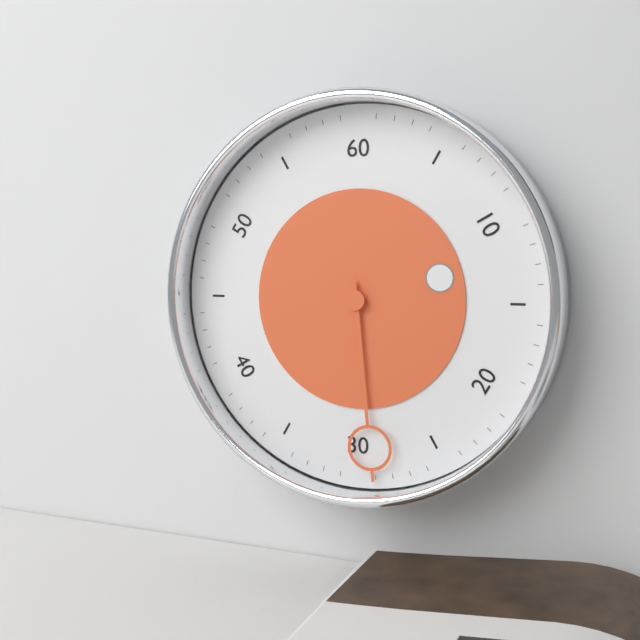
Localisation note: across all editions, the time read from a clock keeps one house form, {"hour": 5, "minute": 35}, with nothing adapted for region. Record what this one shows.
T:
{"hour": 2, "minute": 29}
